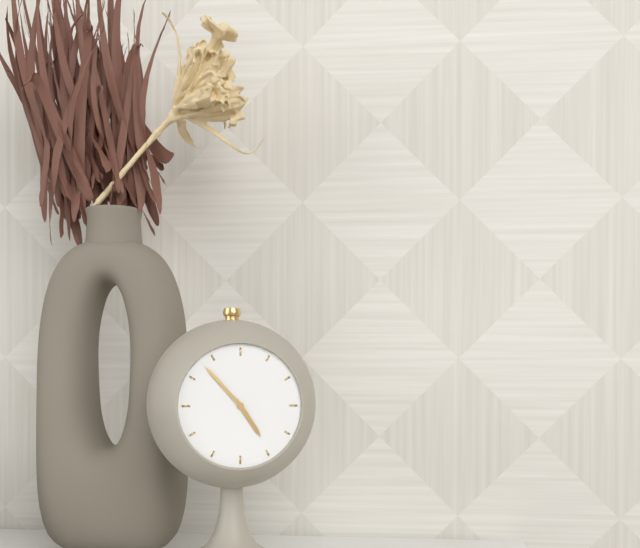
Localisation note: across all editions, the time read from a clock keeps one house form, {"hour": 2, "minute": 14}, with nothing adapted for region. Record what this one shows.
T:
{"hour": 4, "minute": 53}
